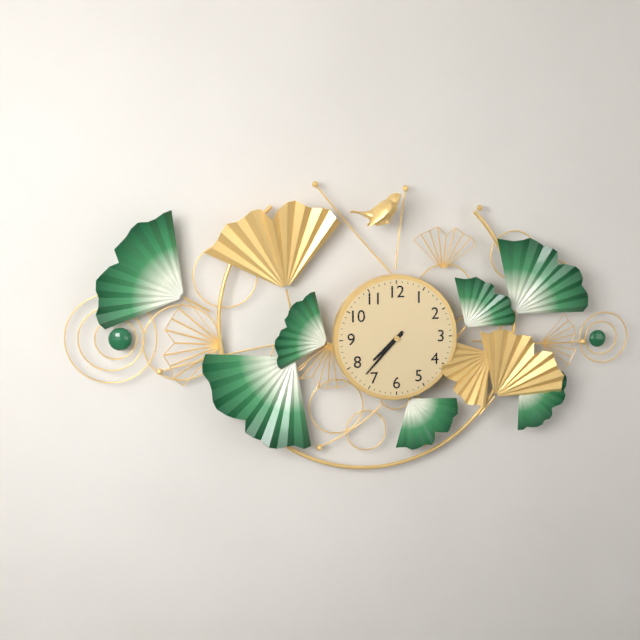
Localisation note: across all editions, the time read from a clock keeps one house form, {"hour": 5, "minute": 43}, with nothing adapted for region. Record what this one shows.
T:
{"hour": 7, "minute": 37}
